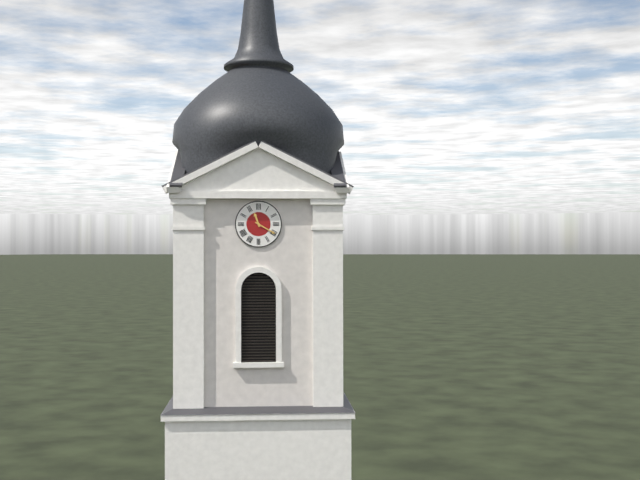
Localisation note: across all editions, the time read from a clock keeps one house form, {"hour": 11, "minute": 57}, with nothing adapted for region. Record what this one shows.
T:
{"hour": 11, "minute": 20}
